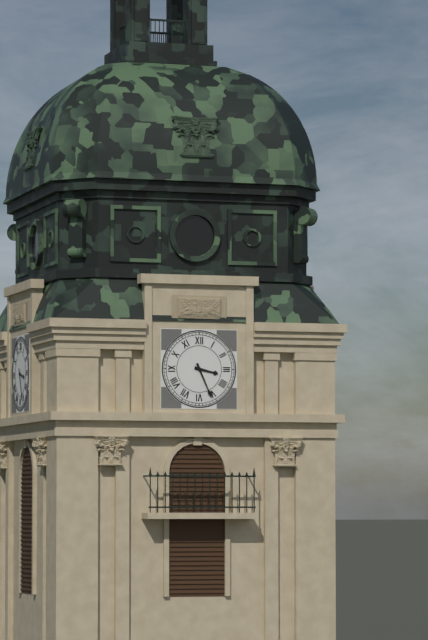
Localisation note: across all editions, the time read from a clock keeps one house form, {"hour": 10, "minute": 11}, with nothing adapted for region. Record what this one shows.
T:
{"hour": 3, "minute": 26}
